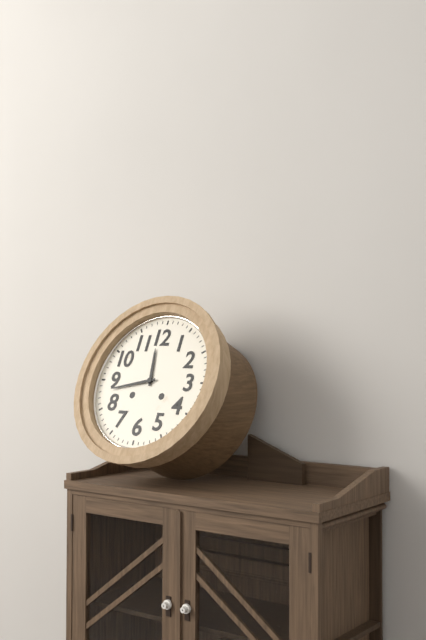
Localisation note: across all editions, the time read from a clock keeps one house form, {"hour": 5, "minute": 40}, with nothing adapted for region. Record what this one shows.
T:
{"hour": 11, "minute": 43}
